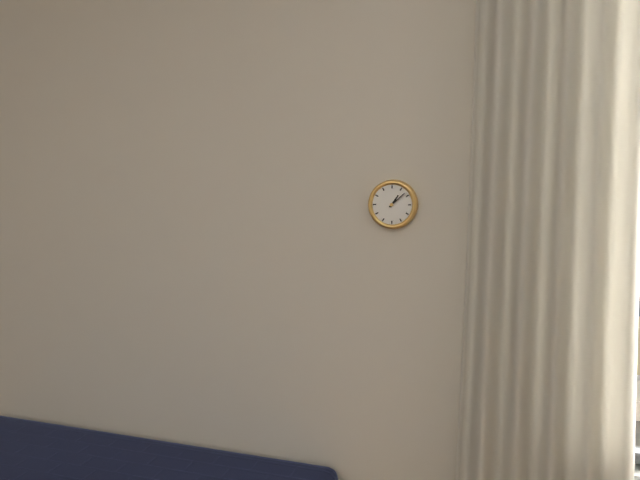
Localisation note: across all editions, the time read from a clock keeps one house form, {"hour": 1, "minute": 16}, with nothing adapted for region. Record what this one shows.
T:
{"hour": 1, "minute": 8}
